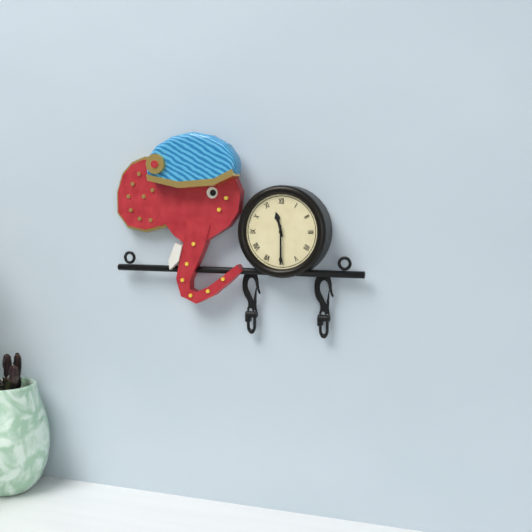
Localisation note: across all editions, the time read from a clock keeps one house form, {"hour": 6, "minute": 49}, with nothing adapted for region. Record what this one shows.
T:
{"hour": 11, "minute": 30}
